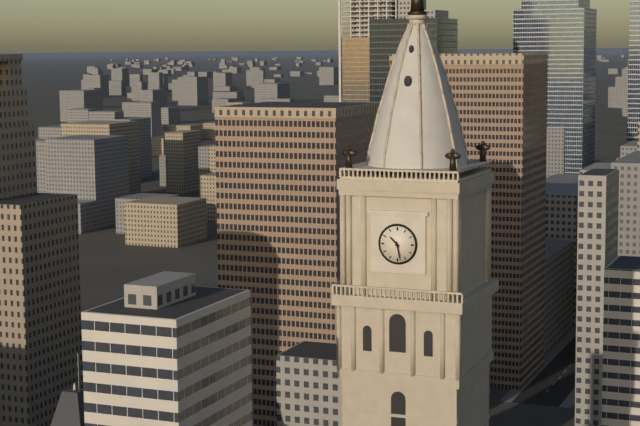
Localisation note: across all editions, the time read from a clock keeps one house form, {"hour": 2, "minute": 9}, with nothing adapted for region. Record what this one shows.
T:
{"hour": 10, "minute": 28}
